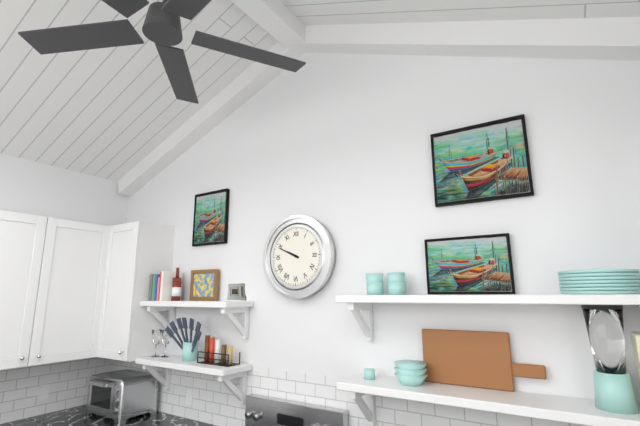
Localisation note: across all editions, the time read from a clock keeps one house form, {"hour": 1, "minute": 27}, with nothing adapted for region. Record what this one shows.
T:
{"hour": 9, "minute": 49}
